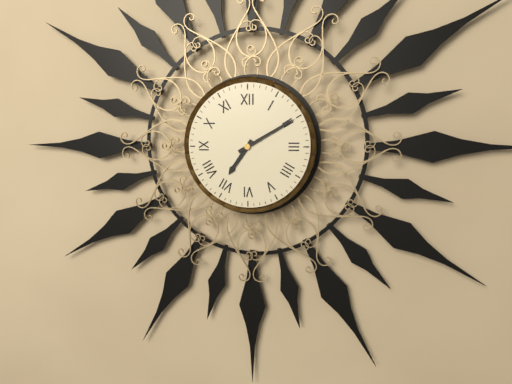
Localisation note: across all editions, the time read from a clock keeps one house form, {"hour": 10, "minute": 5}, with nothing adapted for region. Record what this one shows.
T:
{"hour": 7, "minute": 10}
